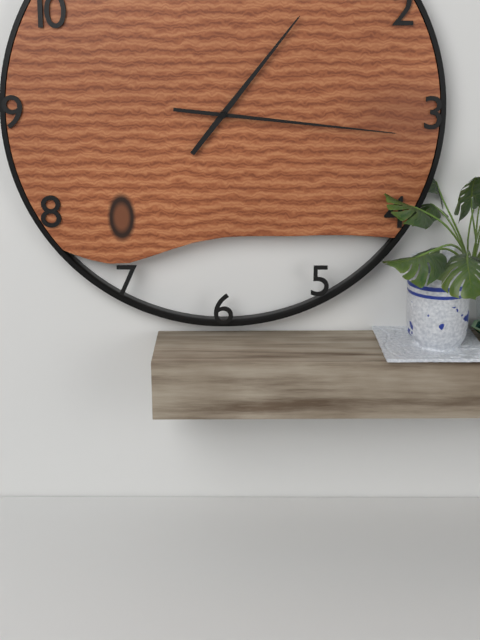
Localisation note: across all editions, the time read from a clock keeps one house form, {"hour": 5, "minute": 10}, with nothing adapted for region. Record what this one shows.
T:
{"hour": 1, "minute": 16}
